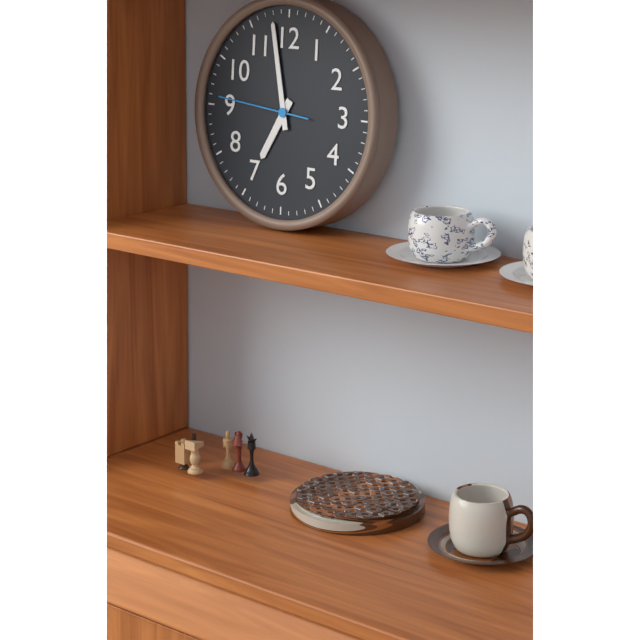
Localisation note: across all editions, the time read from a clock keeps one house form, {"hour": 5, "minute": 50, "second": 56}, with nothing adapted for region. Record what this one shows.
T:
{"hour": 6, "minute": 58, "second": 46}
